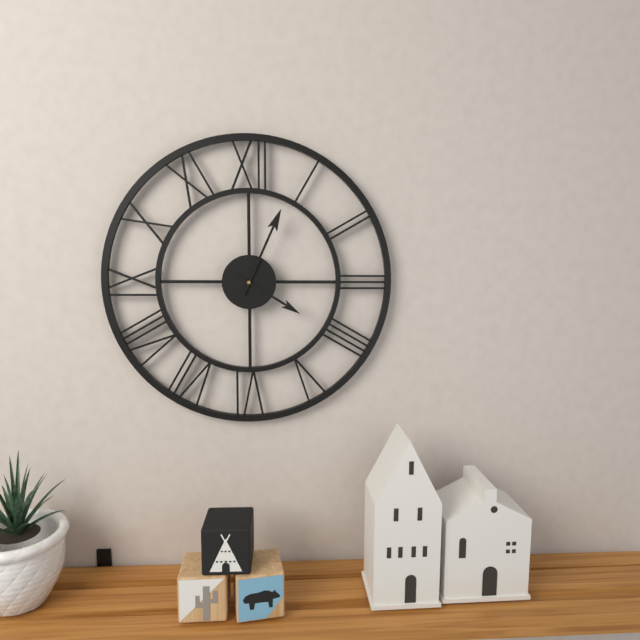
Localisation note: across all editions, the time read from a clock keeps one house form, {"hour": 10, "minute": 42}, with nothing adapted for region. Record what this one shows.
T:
{"hour": 4, "minute": 4}
